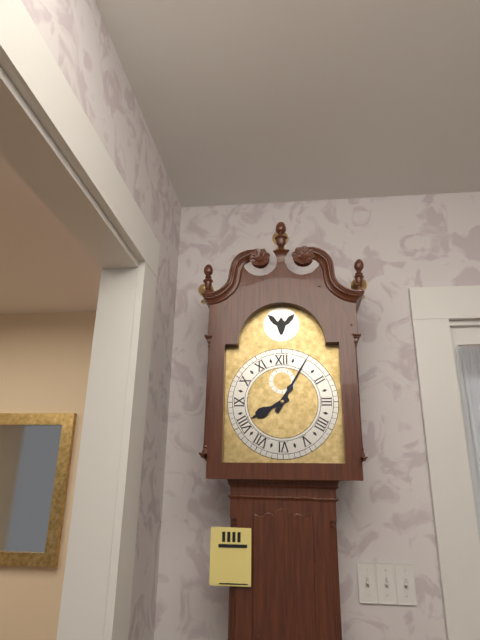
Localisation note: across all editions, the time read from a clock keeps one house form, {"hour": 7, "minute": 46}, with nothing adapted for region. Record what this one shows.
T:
{"hour": 8, "minute": 5}
